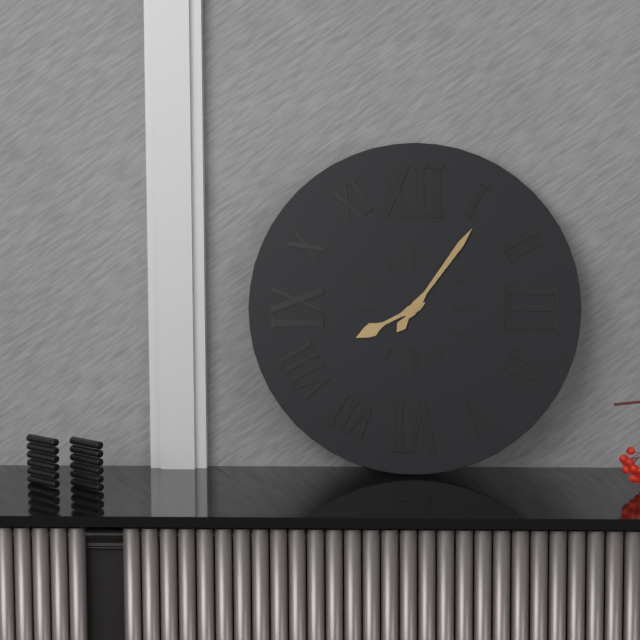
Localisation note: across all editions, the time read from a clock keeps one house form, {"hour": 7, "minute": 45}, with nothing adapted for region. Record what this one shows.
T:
{"hour": 8, "minute": 6}
